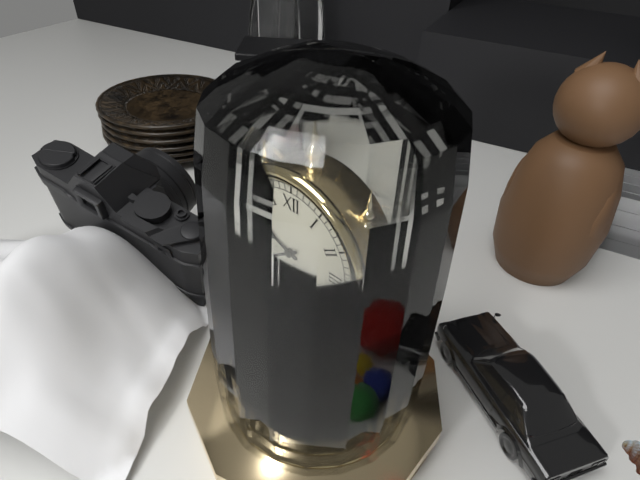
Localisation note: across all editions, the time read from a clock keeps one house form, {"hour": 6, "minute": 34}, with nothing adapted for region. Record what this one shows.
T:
{"hour": 9, "minute": 39}
